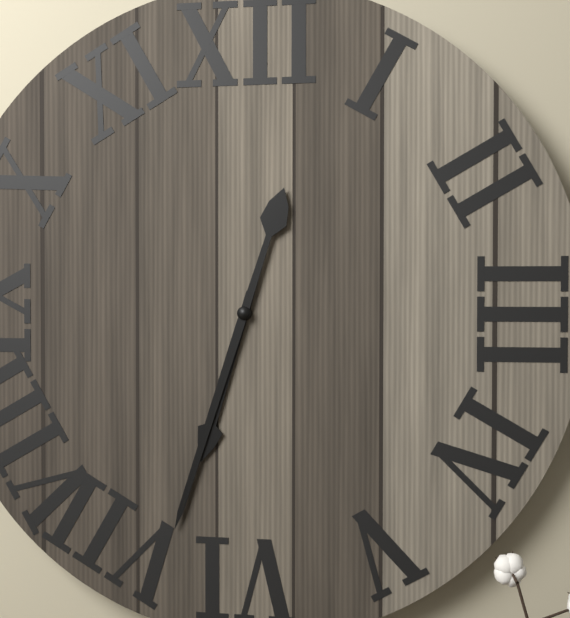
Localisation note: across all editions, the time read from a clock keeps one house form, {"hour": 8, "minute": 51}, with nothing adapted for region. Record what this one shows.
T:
{"hour": 6, "minute": 33}
